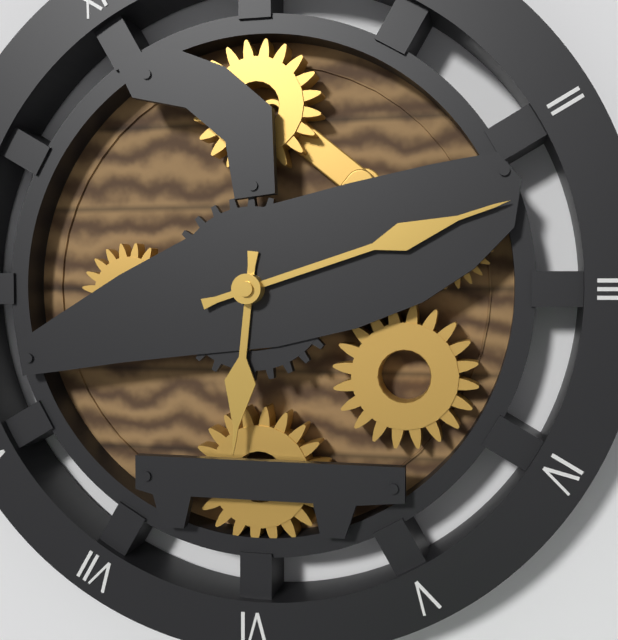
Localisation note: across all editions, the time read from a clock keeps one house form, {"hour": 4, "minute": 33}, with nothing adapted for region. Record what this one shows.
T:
{"hour": 6, "minute": 12}
